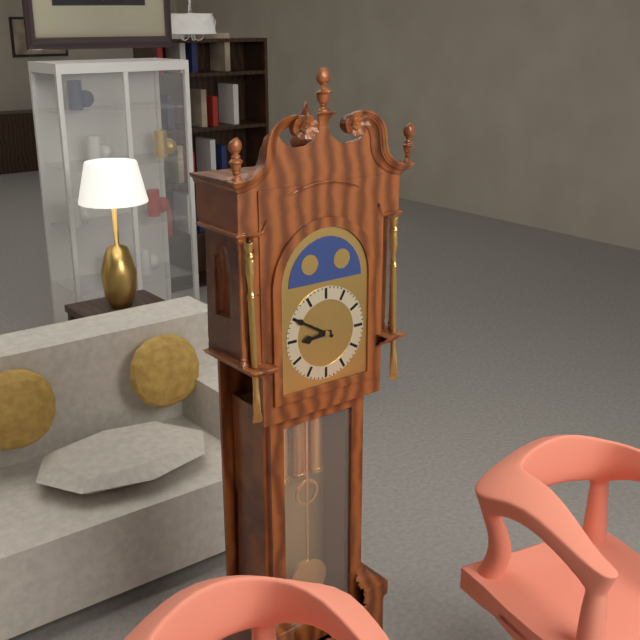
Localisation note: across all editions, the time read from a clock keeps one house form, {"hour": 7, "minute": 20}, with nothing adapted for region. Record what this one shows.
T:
{"hour": 8, "minute": 50}
